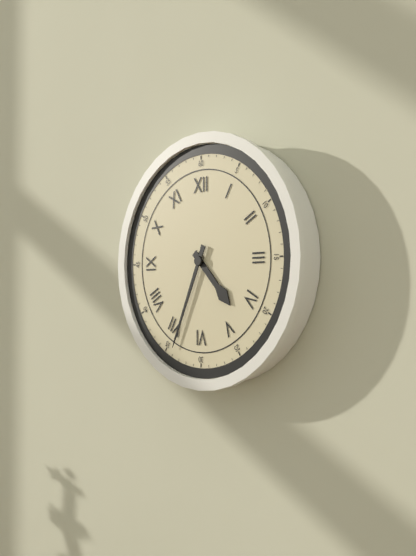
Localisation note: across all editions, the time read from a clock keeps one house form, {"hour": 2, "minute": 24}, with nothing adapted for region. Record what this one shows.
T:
{"hour": 4, "minute": 34}
